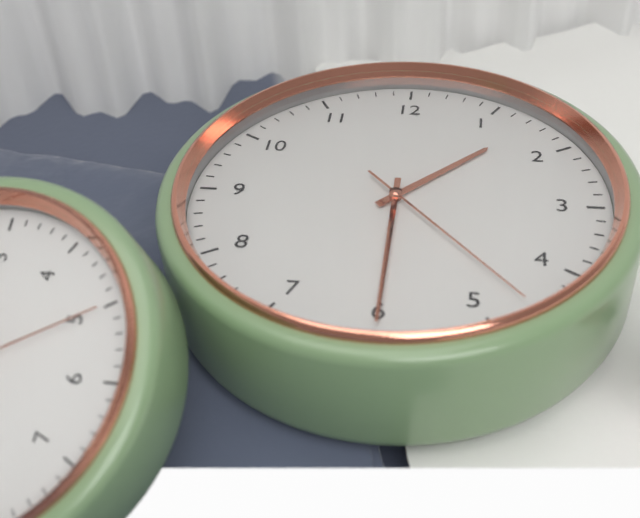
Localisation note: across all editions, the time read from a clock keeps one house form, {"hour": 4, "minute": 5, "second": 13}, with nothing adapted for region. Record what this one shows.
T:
{"hour": 1, "minute": 30, "second": 23}
